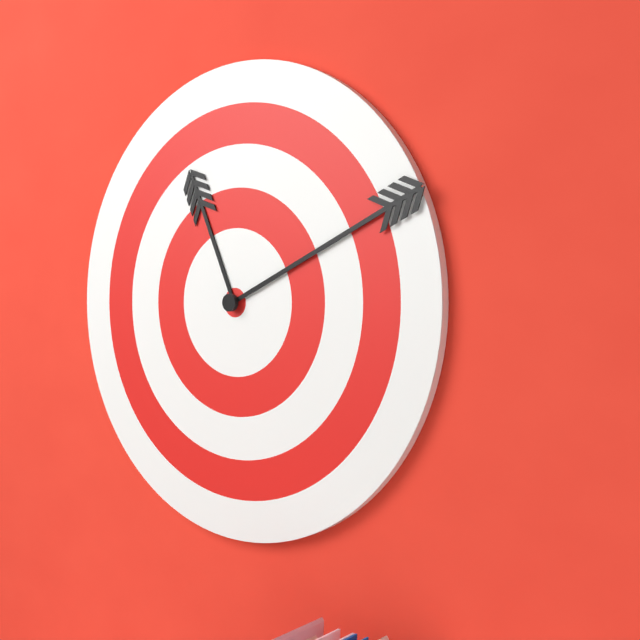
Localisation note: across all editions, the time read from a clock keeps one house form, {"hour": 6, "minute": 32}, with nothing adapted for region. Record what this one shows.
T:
{"hour": 11, "minute": 11}
